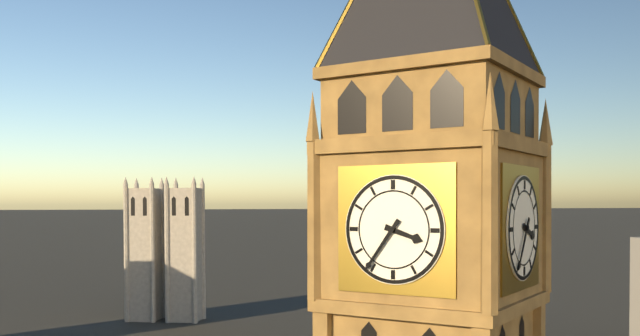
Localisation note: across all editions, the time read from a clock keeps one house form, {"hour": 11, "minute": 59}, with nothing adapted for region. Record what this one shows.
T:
{"hour": 3, "minute": 36}
